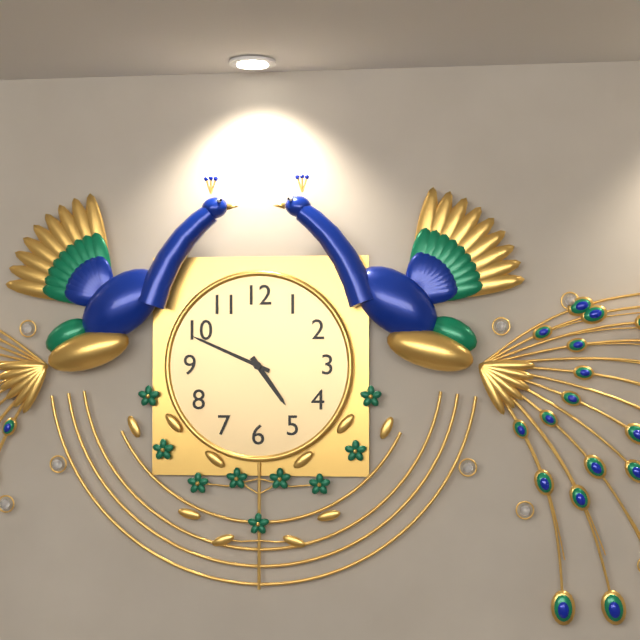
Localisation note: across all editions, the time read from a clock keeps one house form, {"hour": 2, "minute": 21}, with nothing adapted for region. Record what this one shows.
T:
{"hour": 4, "minute": 49}
